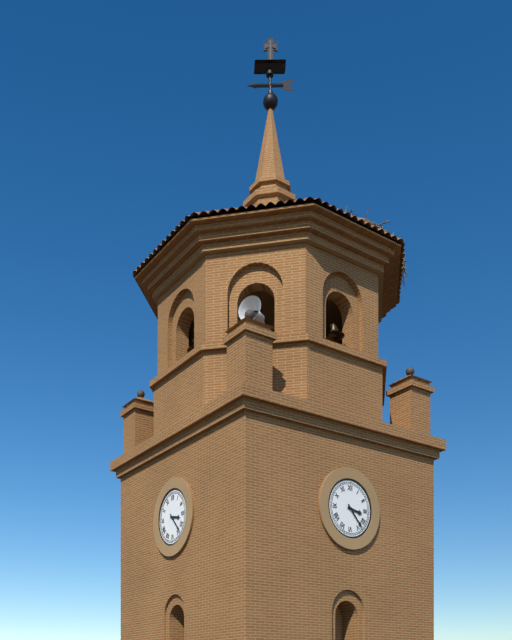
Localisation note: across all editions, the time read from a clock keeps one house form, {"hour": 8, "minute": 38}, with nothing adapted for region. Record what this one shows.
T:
{"hour": 3, "minute": 23}
